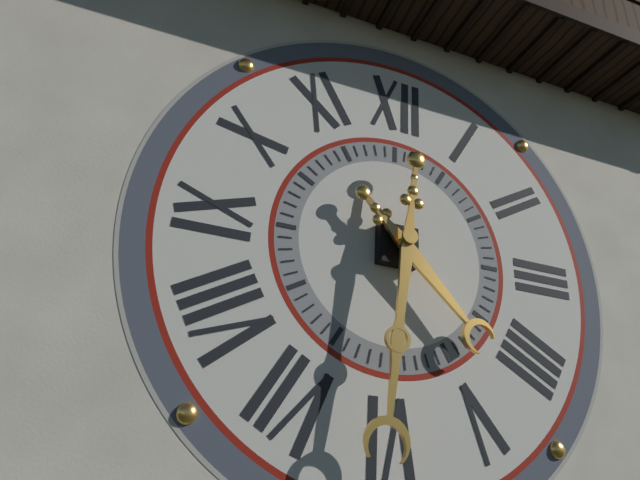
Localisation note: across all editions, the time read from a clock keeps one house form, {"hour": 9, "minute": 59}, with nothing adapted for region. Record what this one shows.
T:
{"hour": 4, "minute": 31}
